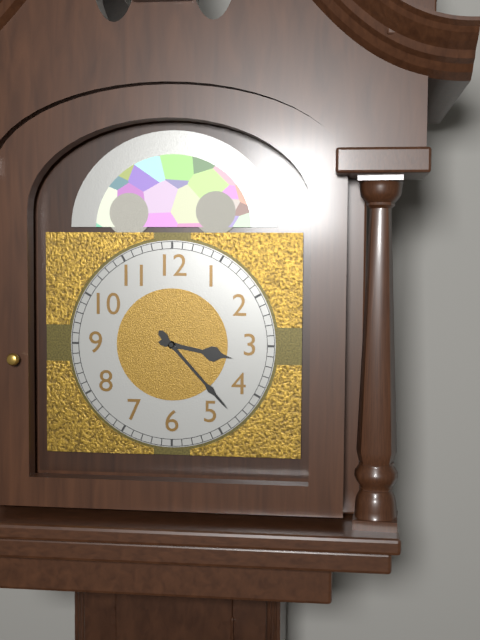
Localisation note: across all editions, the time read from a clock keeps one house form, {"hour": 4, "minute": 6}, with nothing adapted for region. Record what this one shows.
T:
{"hour": 3, "minute": 23}
